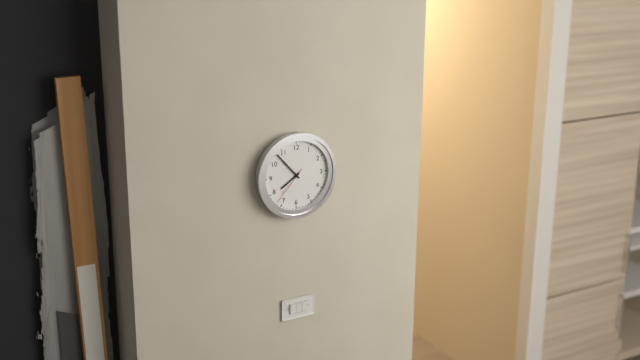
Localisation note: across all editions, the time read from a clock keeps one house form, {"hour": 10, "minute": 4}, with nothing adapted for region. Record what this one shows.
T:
{"hour": 7, "minute": 53}
